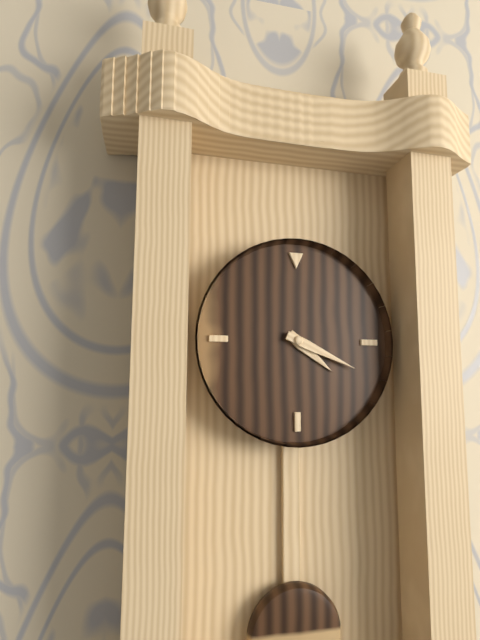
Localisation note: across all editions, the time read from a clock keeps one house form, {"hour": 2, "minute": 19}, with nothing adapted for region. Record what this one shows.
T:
{"hour": 4, "minute": 19}
